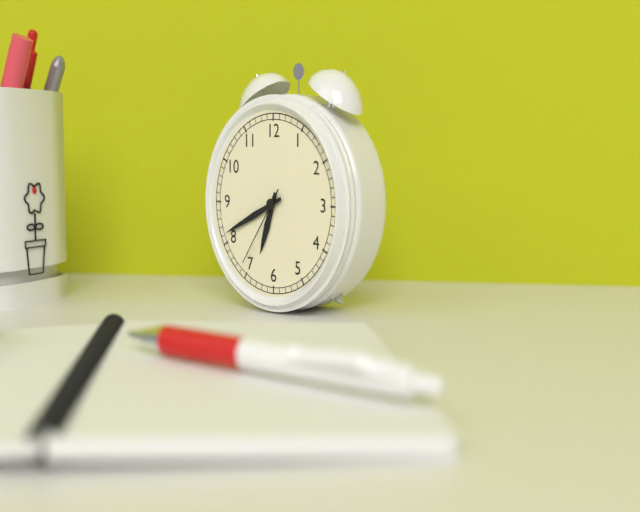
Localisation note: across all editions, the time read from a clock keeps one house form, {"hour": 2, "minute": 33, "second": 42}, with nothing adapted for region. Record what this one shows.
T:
{"hour": 6, "minute": 41, "second": 36}
